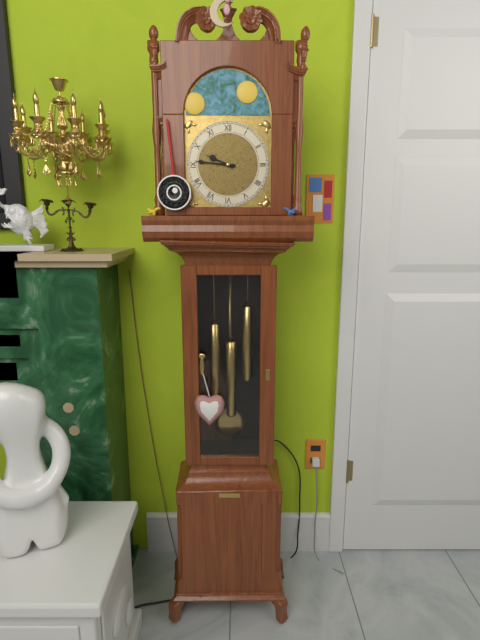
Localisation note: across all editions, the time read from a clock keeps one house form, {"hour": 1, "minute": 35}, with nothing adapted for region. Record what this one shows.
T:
{"hour": 9, "minute": 46}
